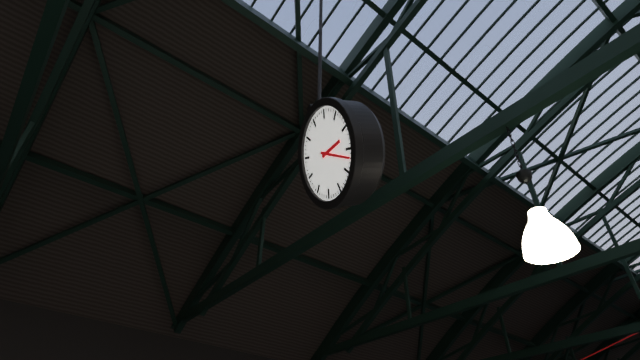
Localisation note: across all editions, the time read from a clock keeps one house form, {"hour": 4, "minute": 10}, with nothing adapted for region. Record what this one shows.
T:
{"hour": 3, "minute": 22}
